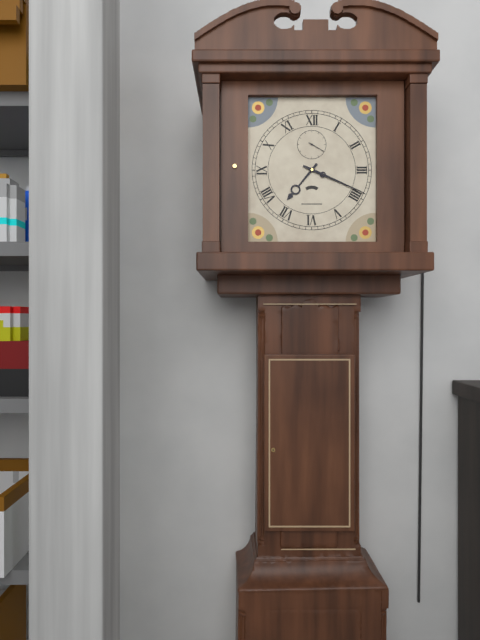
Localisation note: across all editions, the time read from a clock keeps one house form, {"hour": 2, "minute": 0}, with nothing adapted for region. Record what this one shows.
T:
{"hour": 7, "minute": 19}
